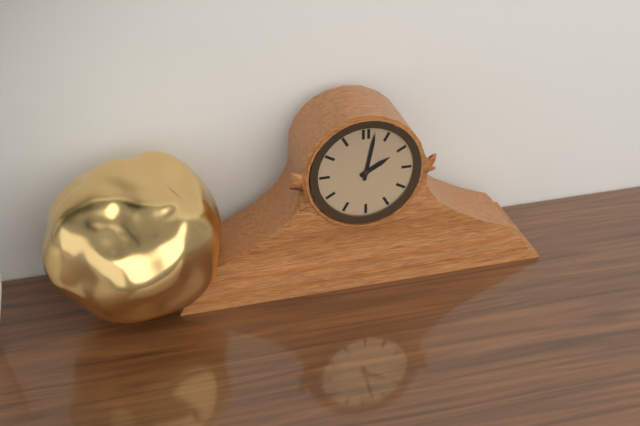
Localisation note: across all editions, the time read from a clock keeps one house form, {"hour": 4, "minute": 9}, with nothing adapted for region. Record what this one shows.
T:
{"hour": 2, "minute": 2}
